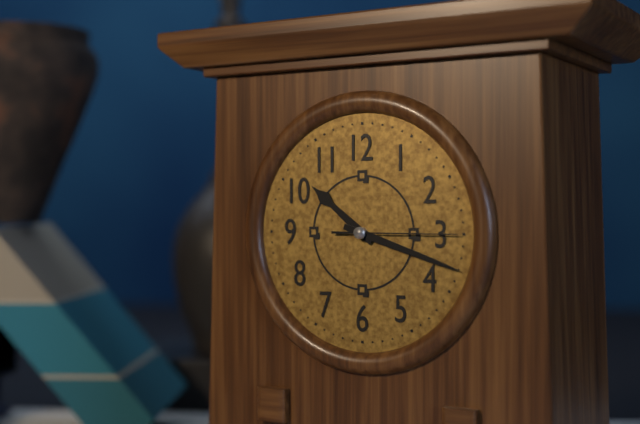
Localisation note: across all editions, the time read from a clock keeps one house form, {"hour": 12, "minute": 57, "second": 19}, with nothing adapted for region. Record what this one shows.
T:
{"hour": 10, "minute": 18, "second": 15}
